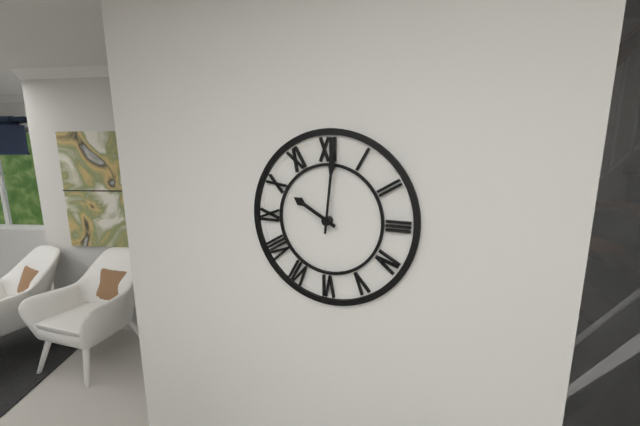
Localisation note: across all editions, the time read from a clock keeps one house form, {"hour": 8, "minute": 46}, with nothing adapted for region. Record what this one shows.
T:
{"hour": 10, "minute": 1}
